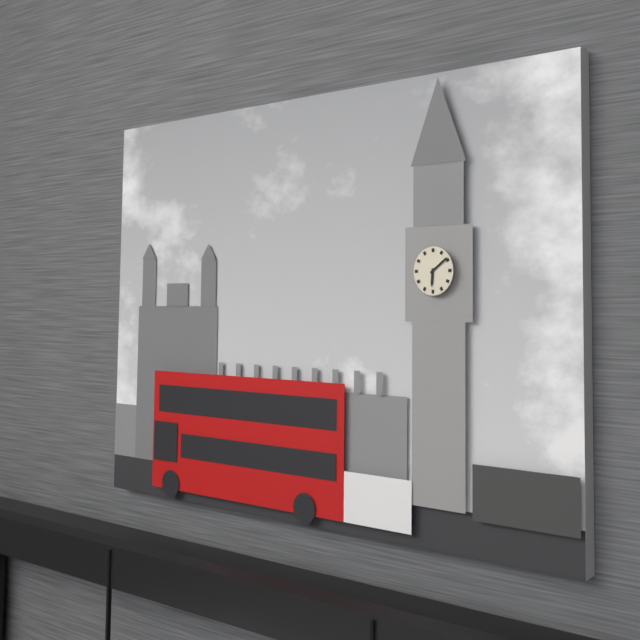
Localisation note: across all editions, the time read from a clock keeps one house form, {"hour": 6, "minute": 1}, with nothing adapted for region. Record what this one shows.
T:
{"hour": 6, "minute": 9}
